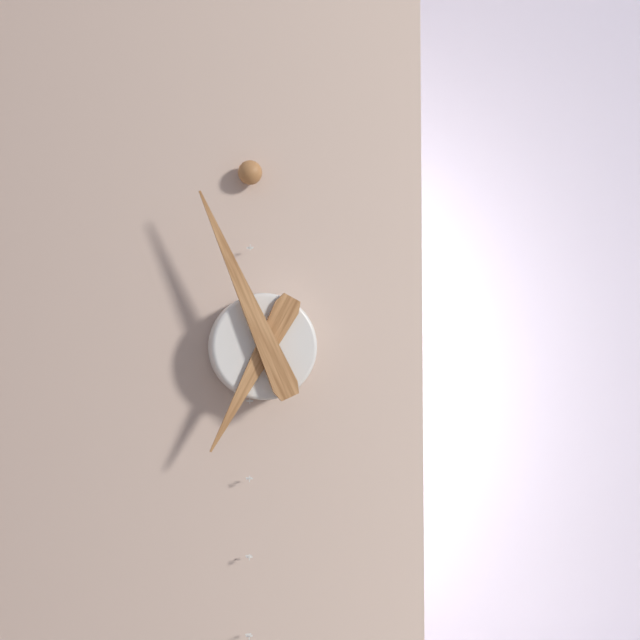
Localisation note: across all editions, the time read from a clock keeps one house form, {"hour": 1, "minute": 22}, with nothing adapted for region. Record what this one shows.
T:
{"hour": 6, "minute": 56}
